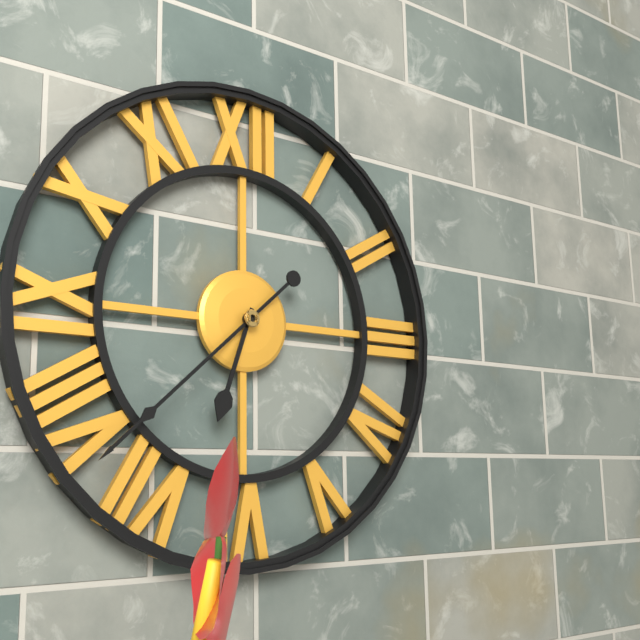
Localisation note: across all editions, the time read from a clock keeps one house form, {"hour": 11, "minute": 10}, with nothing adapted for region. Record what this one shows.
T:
{"hour": 6, "minute": 38}
